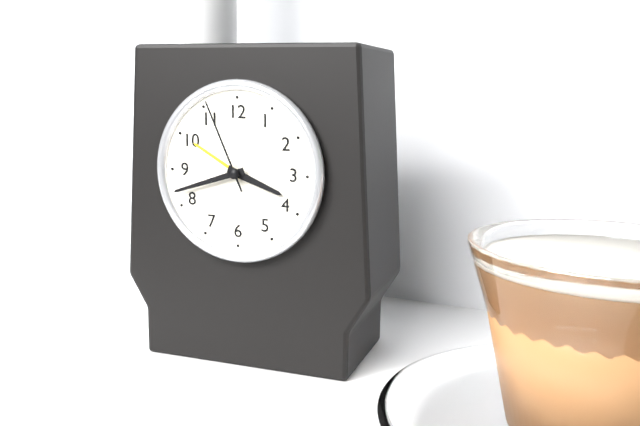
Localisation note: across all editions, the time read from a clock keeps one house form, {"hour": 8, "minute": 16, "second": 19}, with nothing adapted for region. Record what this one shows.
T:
{"hour": 3, "minute": 42, "second": 56}
